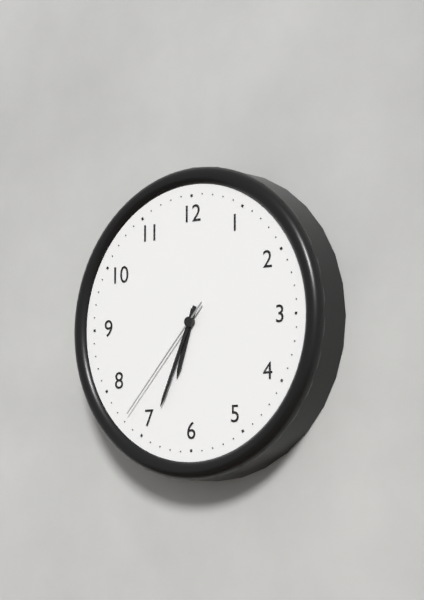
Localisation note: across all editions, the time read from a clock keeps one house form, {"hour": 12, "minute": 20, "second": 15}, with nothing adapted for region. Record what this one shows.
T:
{"hour": 6, "minute": 34, "second": 37}
